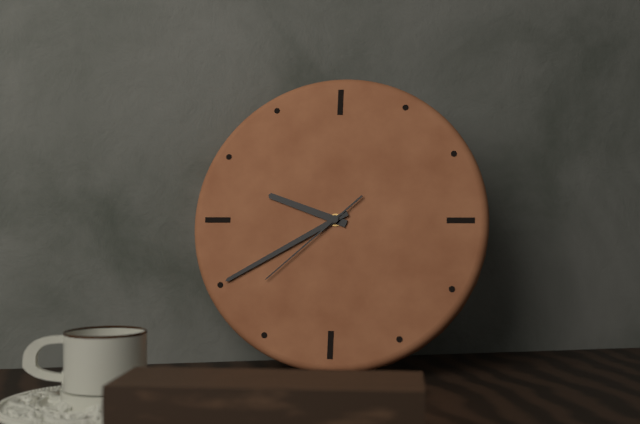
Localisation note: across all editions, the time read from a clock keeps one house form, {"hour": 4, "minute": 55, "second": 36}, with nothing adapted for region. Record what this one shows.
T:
{"hour": 9, "minute": 40, "second": 38}
